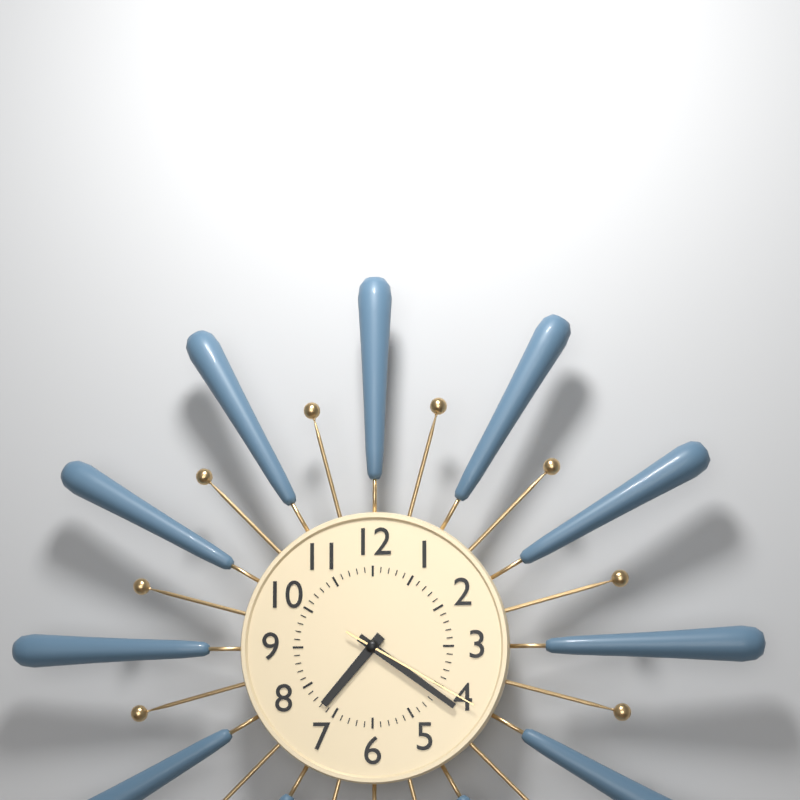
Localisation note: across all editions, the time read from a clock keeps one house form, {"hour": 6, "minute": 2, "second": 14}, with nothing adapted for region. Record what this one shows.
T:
{"hour": 7, "minute": 21, "second": 20}
